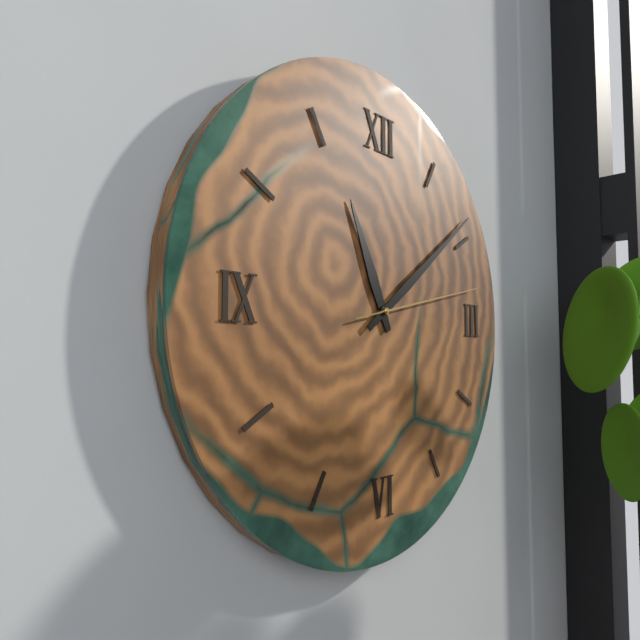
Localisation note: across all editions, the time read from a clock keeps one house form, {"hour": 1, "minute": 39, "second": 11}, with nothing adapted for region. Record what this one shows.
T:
{"hour": 11, "minute": 9, "second": 13}
